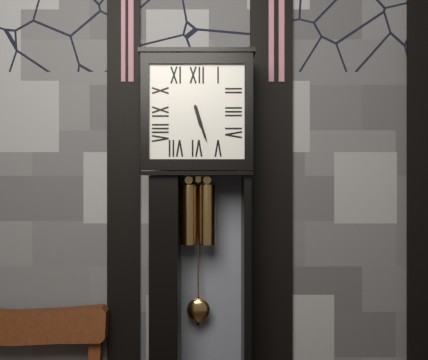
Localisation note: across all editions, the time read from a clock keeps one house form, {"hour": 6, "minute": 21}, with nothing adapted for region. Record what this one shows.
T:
{"hour": 5, "minute": 27}
